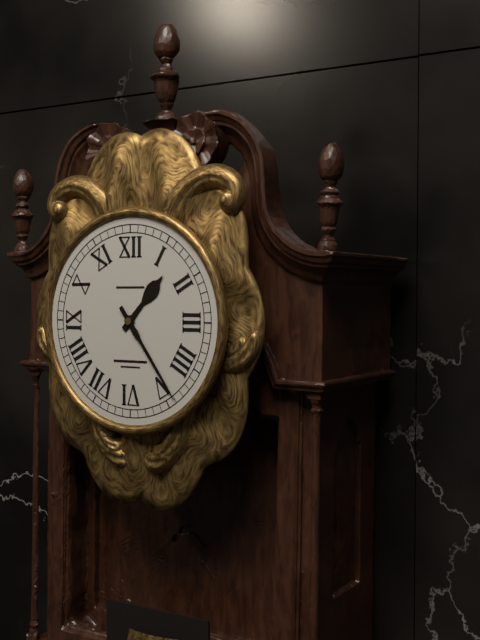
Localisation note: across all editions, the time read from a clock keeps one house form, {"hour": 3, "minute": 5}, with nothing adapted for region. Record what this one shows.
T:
{"hour": 1, "minute": 24}
